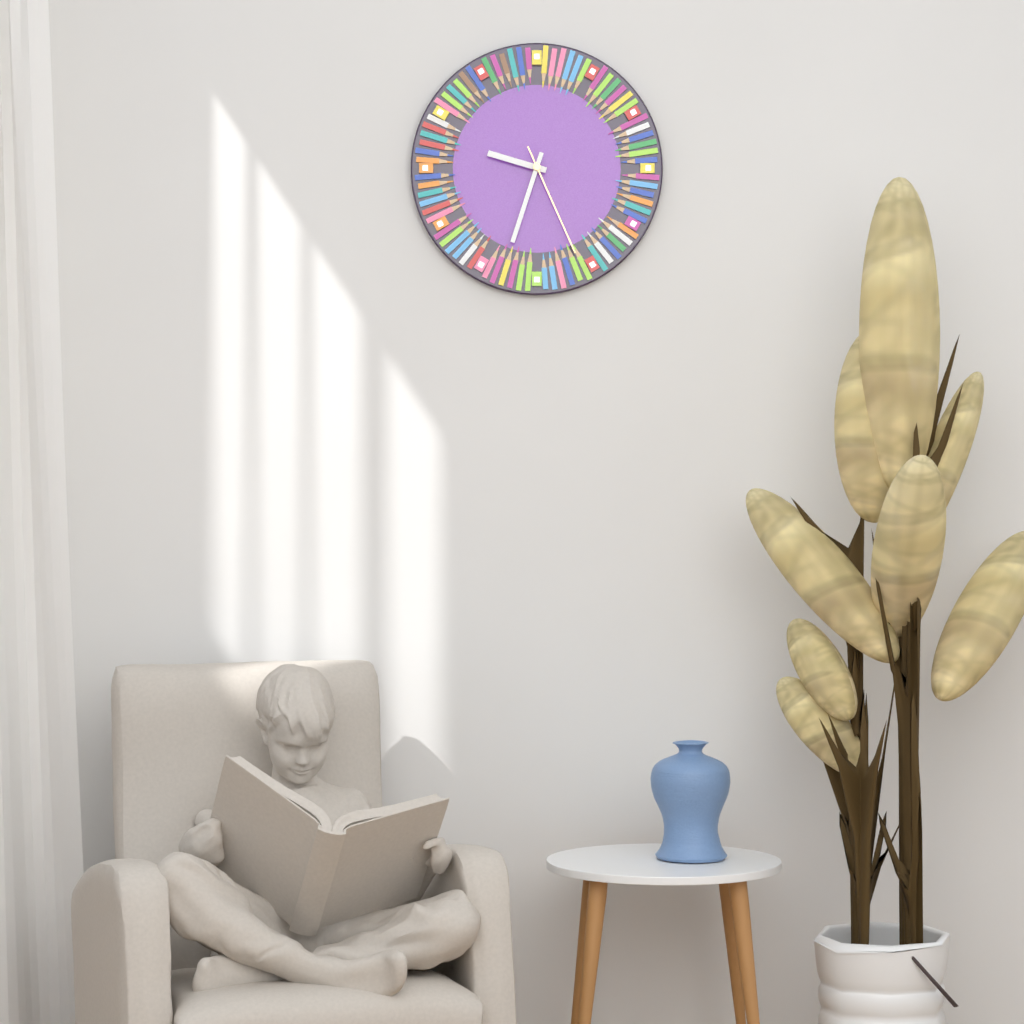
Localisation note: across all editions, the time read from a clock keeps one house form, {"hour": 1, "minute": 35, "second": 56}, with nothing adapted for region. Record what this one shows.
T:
{"hour": 9, "minute": 33, "second": 26}
